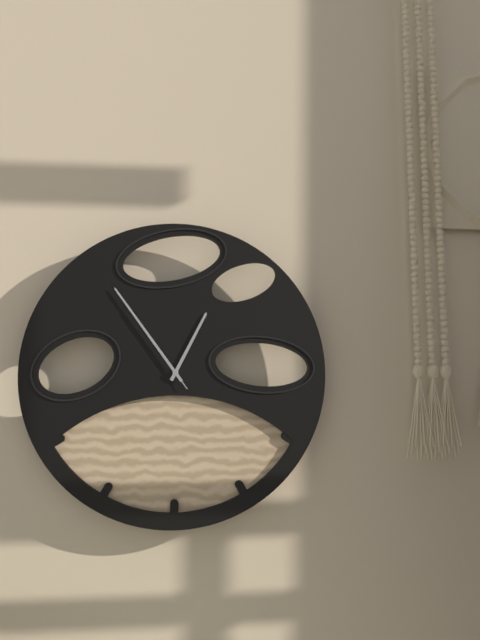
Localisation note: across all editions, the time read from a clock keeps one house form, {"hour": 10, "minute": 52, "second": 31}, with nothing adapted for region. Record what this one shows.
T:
{"hour": 12, "minute": 54, "second": 54}
